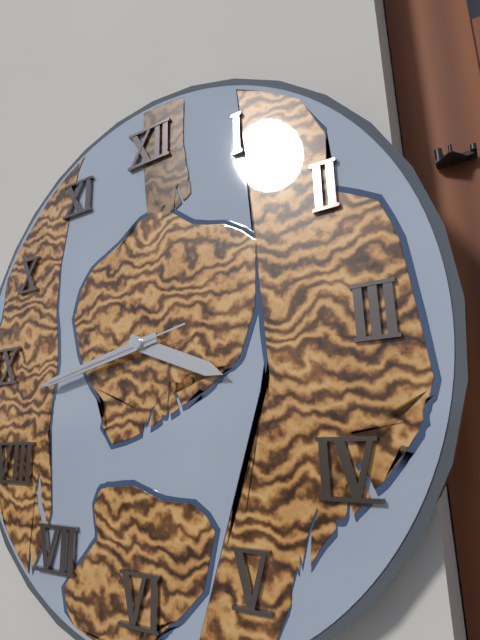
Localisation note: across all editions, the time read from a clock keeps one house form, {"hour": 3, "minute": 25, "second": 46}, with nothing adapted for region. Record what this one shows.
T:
{"hour": 3, "minute": 43, "second": 43}
